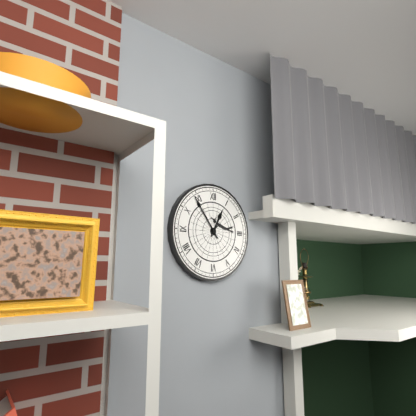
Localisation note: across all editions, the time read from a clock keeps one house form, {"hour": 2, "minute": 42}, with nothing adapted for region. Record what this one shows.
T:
{"hour": 12, "minute": 54}
